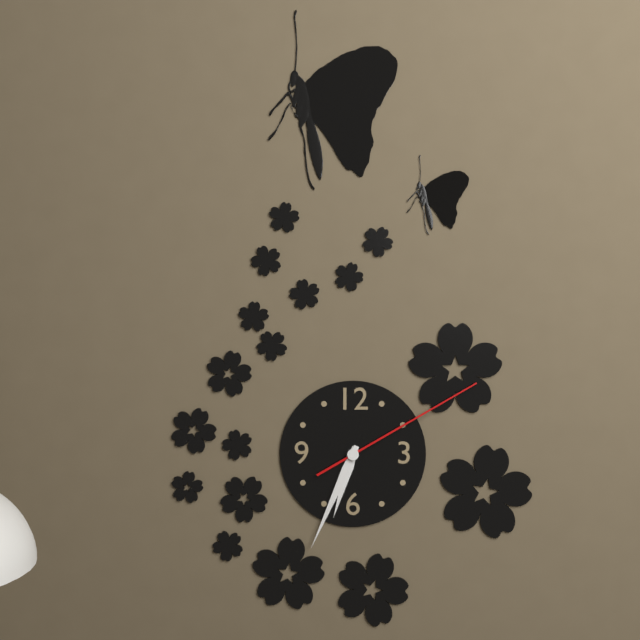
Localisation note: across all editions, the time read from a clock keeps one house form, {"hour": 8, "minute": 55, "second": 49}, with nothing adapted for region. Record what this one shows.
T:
{"hour": 6, "minute": 34, "second": 10}
